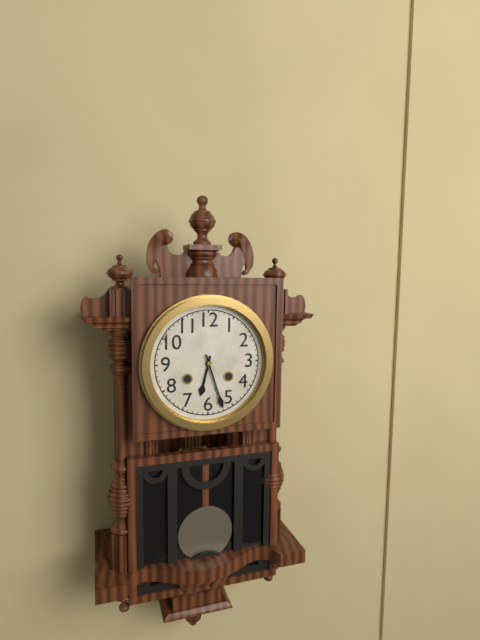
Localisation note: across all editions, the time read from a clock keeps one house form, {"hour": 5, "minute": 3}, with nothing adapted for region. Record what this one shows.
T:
{"hour": 6, "minute": 27}
